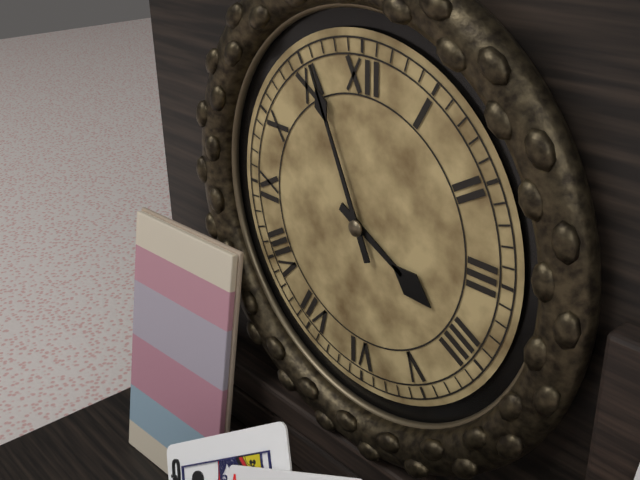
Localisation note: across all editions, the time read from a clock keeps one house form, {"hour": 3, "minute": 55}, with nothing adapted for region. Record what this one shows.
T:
{"hour": 3, "minute": 56}
